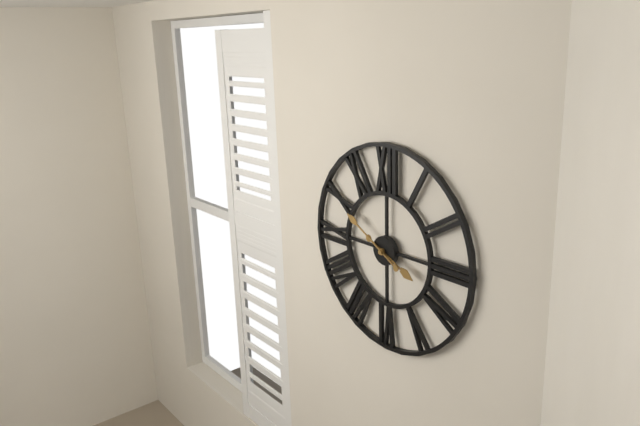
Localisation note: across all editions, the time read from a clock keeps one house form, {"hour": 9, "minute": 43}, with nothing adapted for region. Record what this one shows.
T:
{"hour": 3, "minute": 50}
